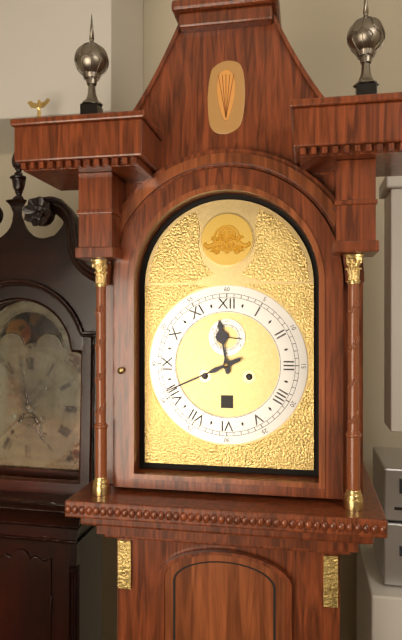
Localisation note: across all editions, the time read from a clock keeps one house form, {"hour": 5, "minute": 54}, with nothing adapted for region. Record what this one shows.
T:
{"hour": 11, "minute": 41}
